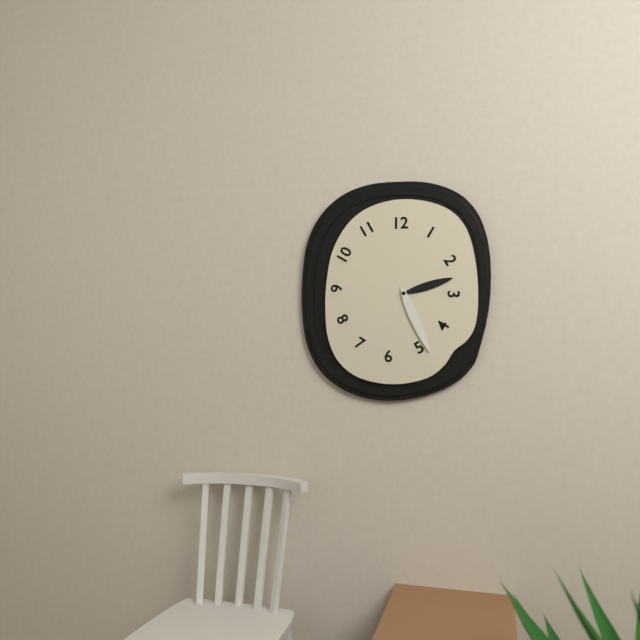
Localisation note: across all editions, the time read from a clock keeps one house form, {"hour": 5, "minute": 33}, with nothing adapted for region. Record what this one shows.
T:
{"hour": 2, "minute": 26}
